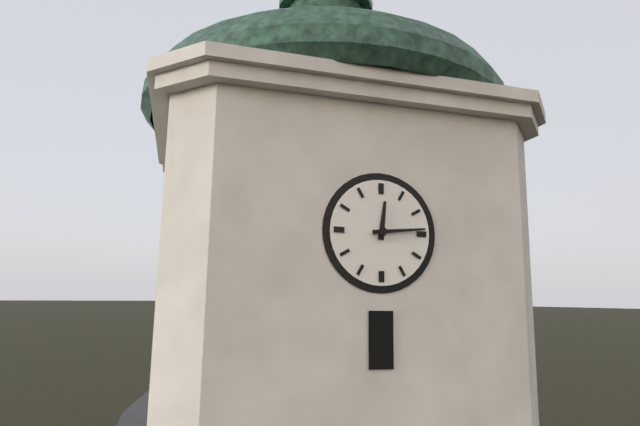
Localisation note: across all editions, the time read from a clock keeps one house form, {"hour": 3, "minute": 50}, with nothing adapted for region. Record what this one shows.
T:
{"hour": 12, "minute": 14}
